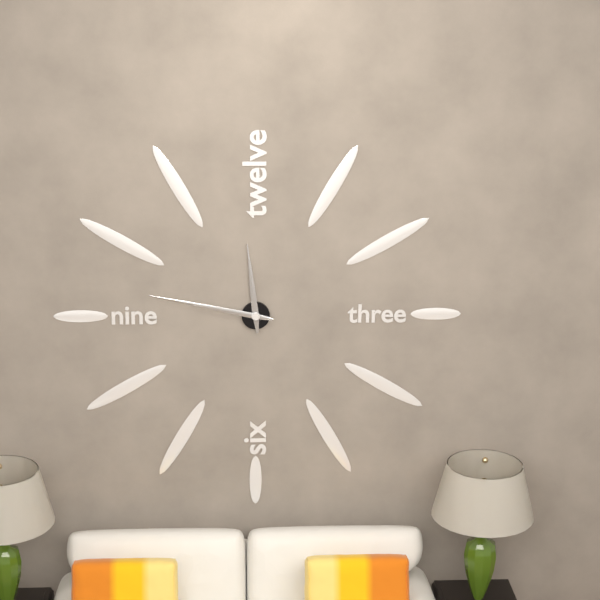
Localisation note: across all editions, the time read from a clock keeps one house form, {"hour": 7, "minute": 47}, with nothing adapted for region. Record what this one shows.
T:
{"hour": 11, "minute": 47}
